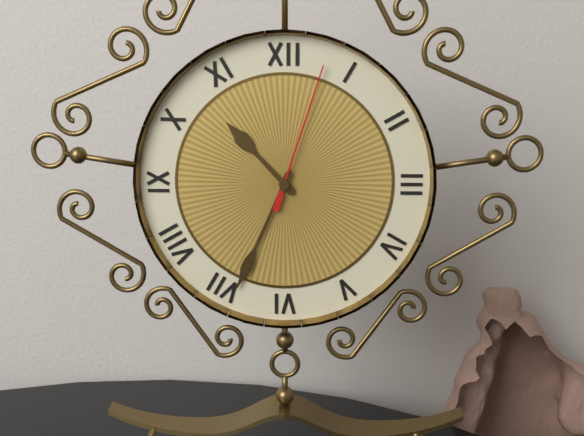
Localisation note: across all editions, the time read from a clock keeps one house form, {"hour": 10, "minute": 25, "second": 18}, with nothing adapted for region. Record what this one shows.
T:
{"hour": 10, "minute": 34, "second": 3}
